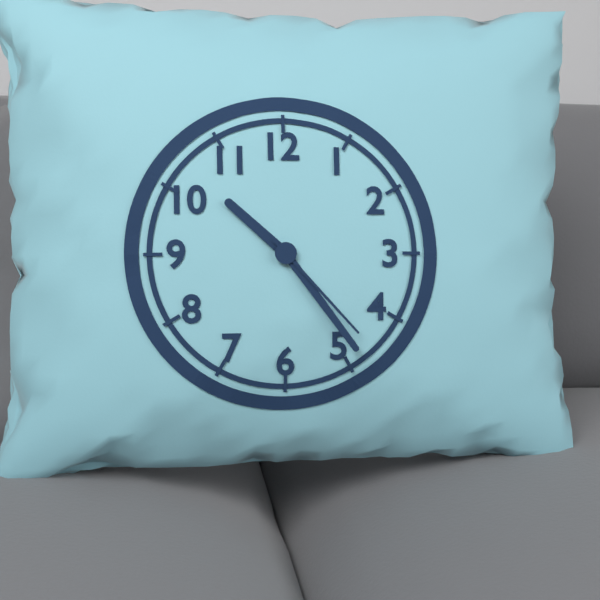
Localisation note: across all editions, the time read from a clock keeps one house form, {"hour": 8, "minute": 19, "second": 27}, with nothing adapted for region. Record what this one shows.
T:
{"hour": 10, "minute": 24, "second": 23}
